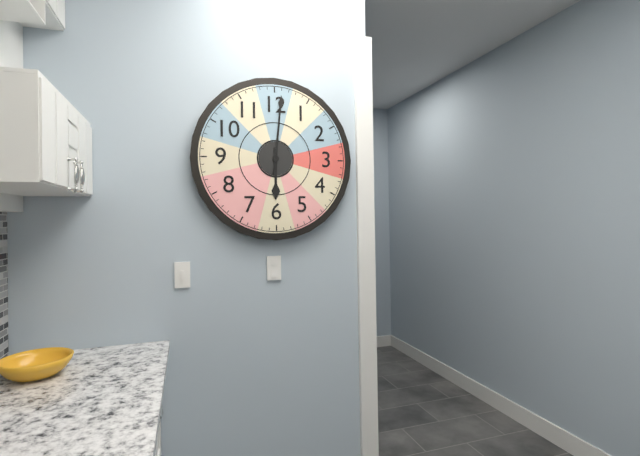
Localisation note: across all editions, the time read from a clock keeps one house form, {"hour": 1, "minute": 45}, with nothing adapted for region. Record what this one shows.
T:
{"hour": 6, "minute": 1}
